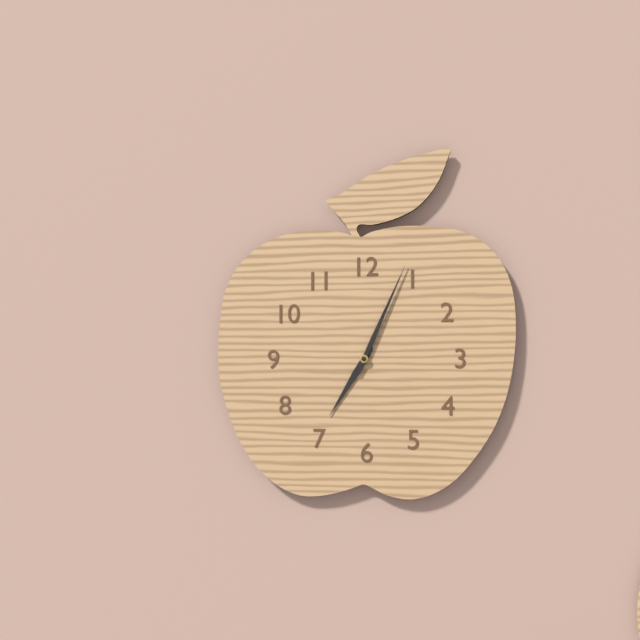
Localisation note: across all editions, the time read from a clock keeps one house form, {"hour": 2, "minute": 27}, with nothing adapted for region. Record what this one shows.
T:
{"hour": 7, "minute": 4}
